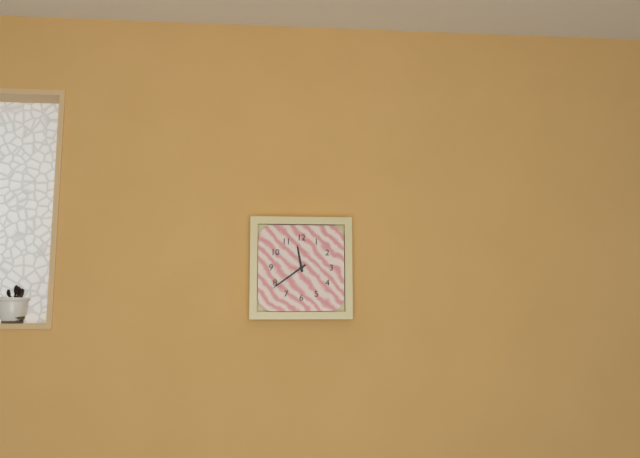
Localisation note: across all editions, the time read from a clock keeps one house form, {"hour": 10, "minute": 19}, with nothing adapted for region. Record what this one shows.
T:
{"hour": 11, "minute": 39}
